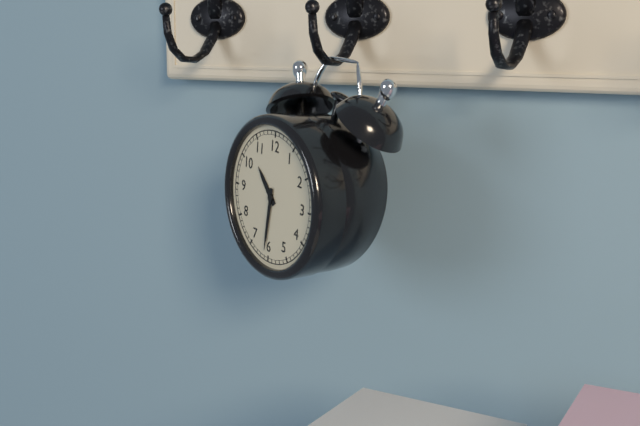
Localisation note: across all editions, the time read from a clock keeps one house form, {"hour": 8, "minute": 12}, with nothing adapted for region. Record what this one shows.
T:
{"hour": 10, "minute": 31}
